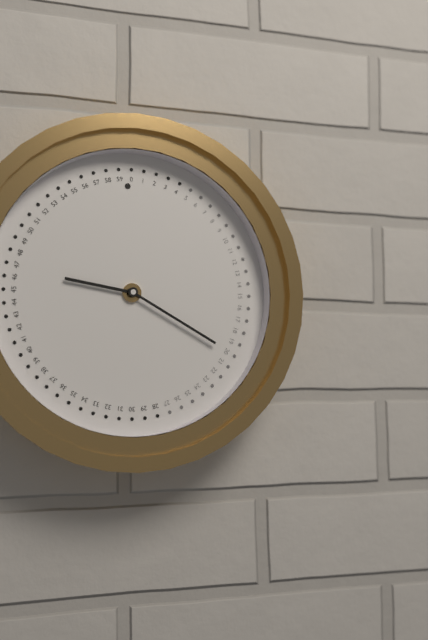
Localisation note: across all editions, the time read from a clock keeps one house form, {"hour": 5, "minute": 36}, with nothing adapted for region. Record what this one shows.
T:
{"hour": 9, "minute": 20}
